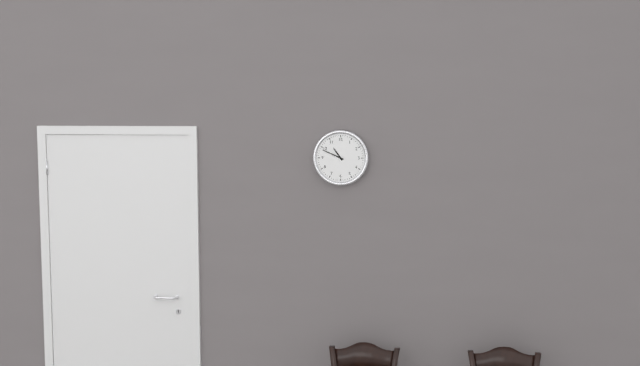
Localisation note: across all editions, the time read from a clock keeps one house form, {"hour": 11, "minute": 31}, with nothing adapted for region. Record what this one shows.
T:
{"hour": 10, "minute": 49}
